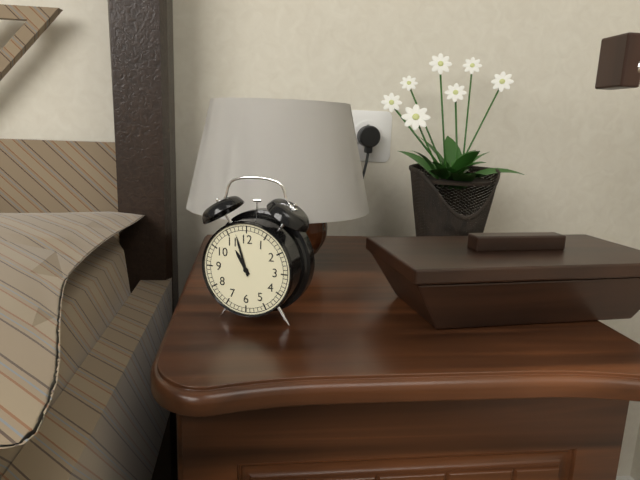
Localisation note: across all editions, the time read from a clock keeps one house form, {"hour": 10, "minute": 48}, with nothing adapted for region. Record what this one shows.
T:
{"hour": 10, "minute": 57}
